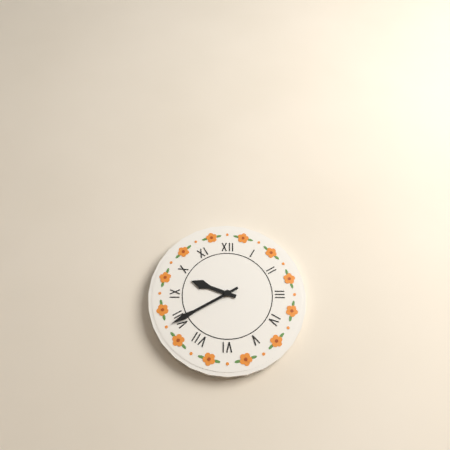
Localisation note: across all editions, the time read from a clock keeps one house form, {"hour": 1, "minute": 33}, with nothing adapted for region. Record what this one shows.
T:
{"hour": 9, "minute": 40}
